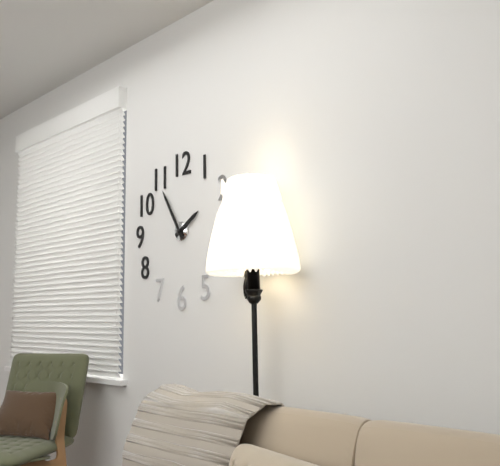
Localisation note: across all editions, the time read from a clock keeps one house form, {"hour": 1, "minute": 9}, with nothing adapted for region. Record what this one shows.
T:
{"hour": 1, "minute": 55}
